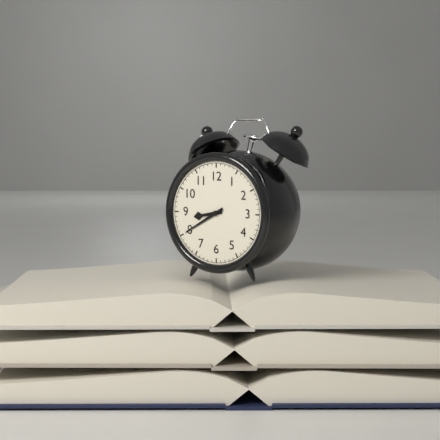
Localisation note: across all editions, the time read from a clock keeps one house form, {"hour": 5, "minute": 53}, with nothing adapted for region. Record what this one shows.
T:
{"hour": 8, "minute": 40}
